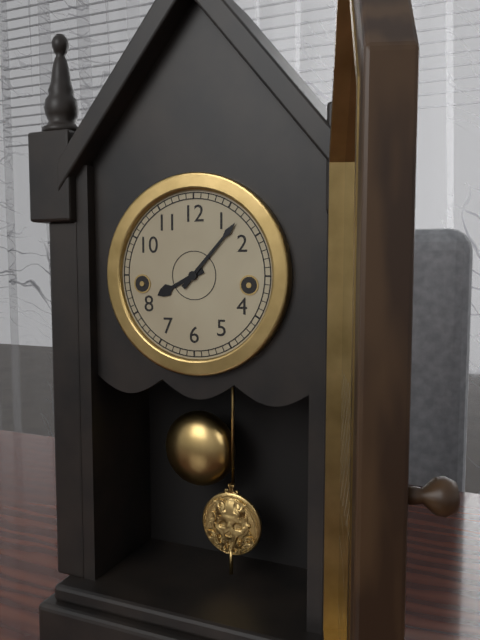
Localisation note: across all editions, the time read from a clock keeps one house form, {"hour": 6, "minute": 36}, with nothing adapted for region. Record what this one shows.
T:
{"hour": 8, "minute": 7}
